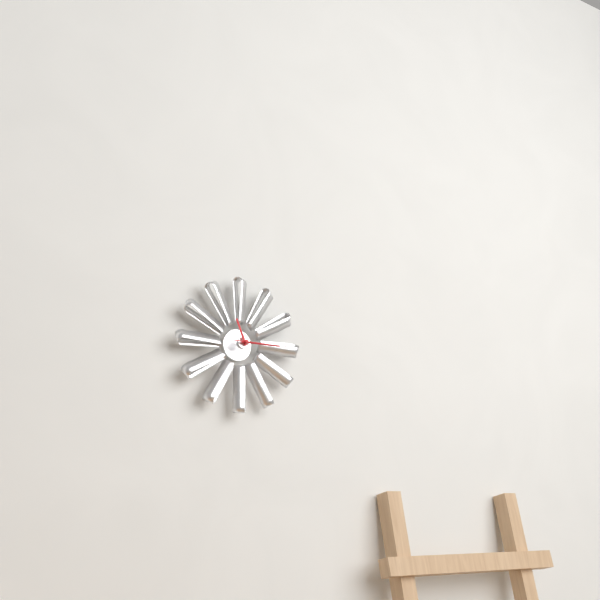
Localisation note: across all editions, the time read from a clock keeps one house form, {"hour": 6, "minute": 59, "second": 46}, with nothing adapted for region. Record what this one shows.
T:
{"hour": 11, "minute": 15, "second": 15}
